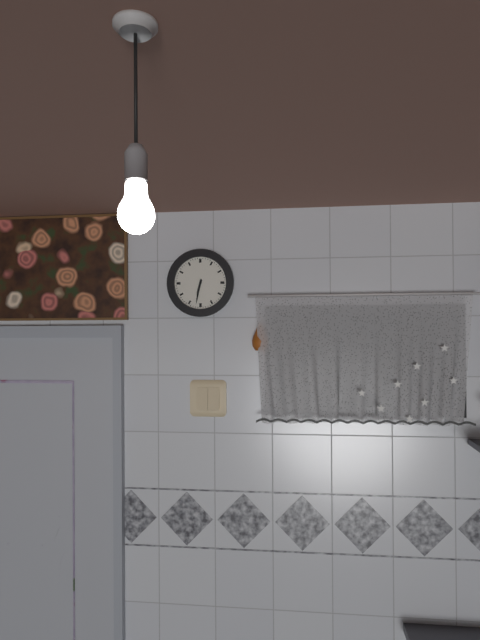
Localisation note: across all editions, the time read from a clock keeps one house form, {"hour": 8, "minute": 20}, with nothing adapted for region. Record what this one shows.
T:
{"hour": 6, "minute": 32}
